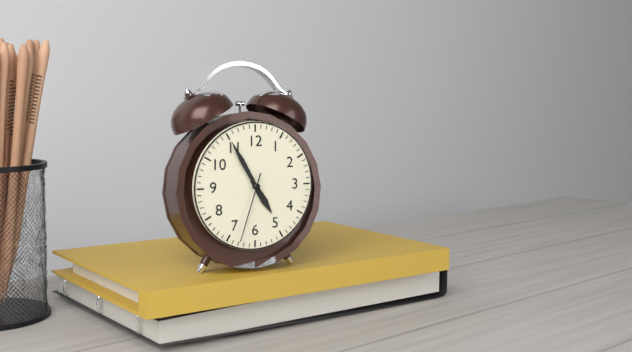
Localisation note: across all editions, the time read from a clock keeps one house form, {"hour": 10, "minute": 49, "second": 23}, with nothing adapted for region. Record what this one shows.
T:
{"hour": 4, "minute": 55, "second": 33}
